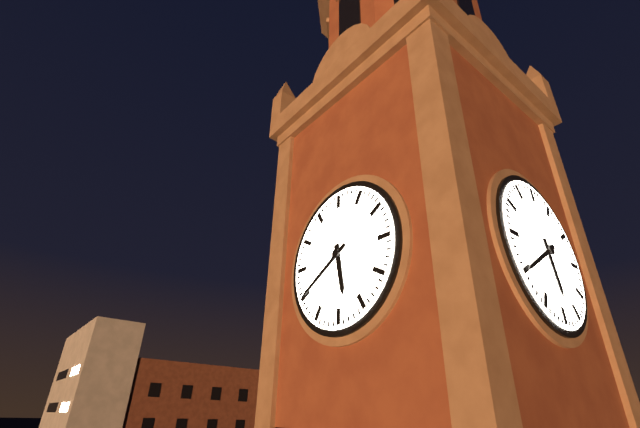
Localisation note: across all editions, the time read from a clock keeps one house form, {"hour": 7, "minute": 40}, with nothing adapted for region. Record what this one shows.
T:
{"hour": 5, "minute": 40}
